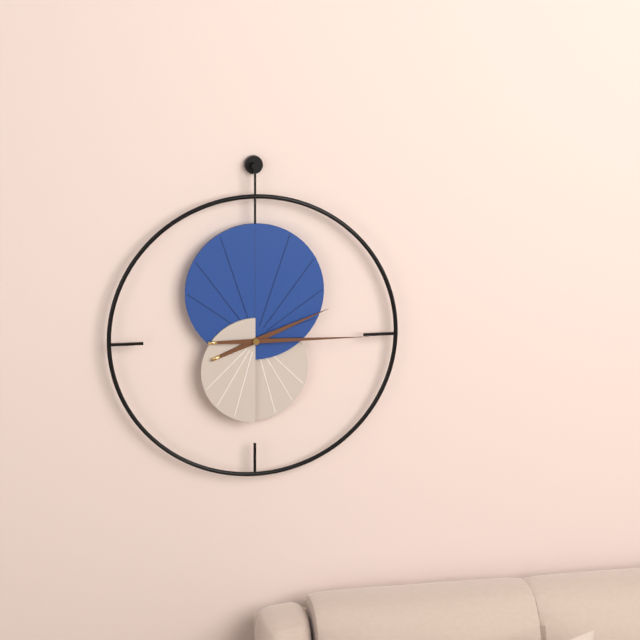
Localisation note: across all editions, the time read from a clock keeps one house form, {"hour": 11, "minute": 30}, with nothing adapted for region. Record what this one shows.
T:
{"hour": 2, "minute": 15}
